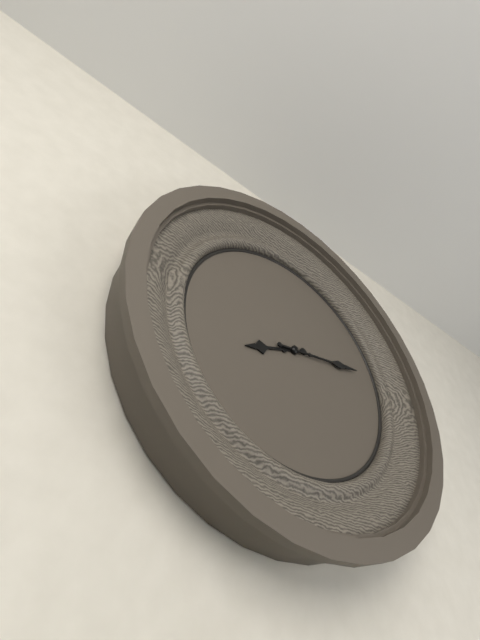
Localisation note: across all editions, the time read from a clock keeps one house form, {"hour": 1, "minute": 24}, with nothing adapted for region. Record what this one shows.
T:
{"hour": 8, "minute": 13}
